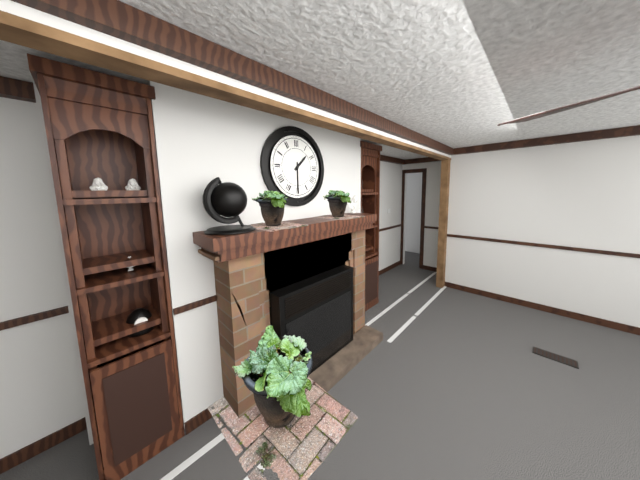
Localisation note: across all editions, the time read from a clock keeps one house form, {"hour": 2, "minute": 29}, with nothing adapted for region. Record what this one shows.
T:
{"hour": 1, "minute": 30}
